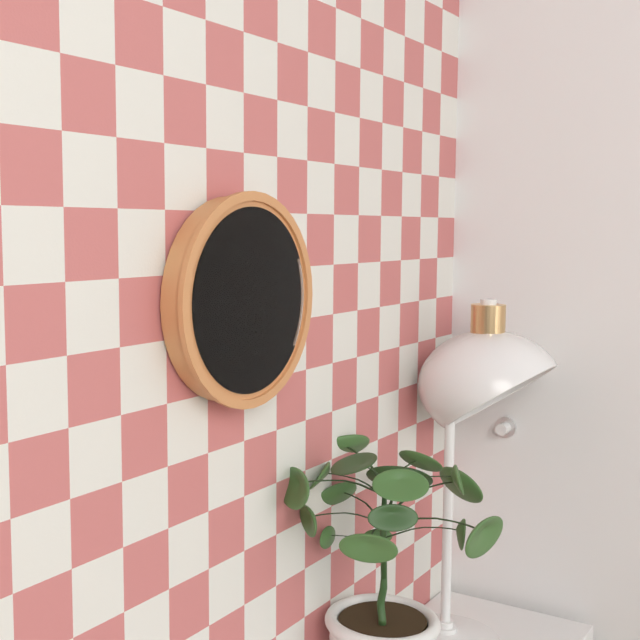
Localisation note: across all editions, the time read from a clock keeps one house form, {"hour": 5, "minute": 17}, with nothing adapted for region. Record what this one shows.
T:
{"hour": 2, "minute": 18}
